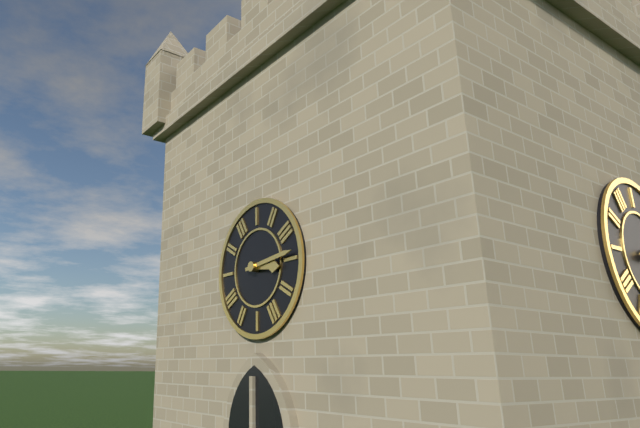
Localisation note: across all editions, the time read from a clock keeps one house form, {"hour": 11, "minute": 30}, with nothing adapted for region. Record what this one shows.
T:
{"hour": 3, "minute": 14}
